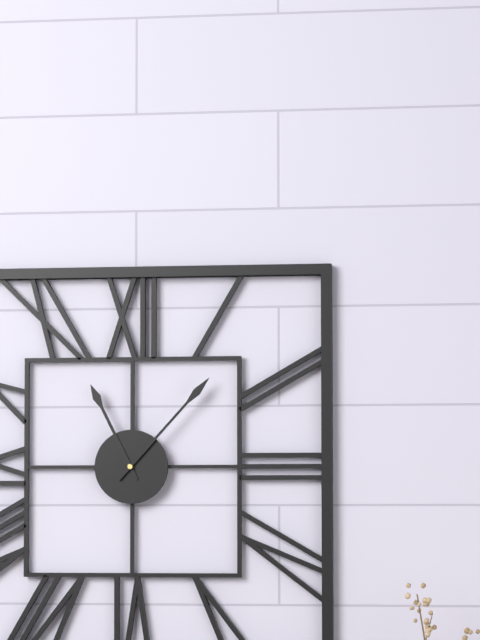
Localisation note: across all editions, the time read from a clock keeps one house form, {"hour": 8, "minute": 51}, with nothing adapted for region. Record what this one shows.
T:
{"hour": 11, "minute": 7}
